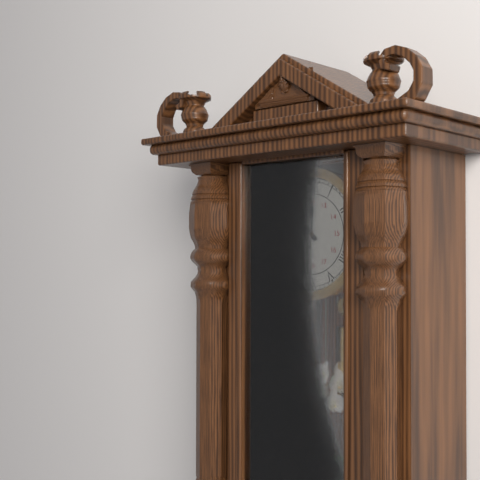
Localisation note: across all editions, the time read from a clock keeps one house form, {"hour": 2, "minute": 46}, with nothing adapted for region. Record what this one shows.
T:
{"hour": 11, "minute": 51}
